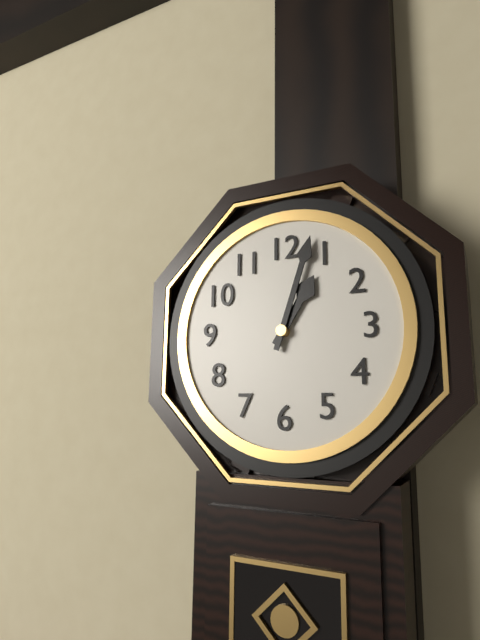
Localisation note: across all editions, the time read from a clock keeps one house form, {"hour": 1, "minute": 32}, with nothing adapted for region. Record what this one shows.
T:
{"hour": 1, "minute": 3}
